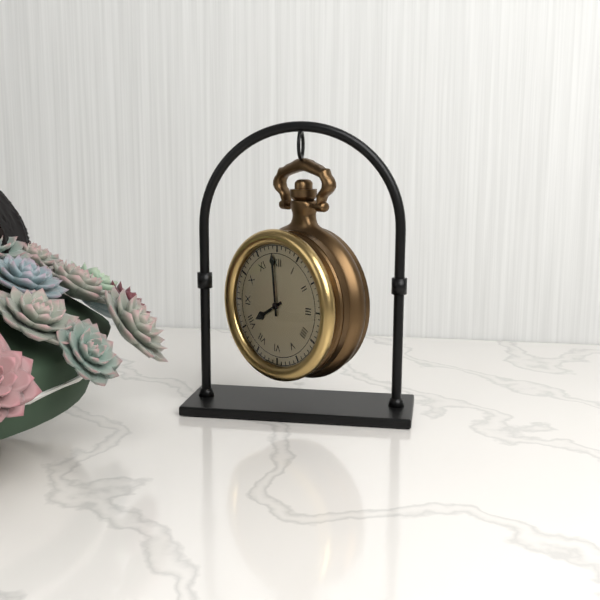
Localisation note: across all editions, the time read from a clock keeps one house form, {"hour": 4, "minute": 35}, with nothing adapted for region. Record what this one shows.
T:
{"hour": 7, "minute": 59}
